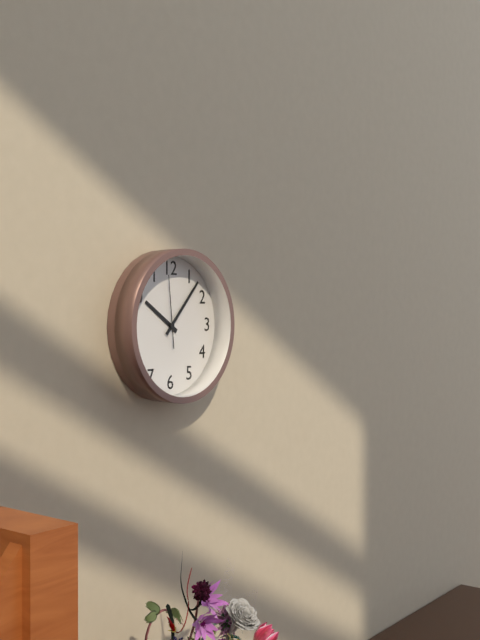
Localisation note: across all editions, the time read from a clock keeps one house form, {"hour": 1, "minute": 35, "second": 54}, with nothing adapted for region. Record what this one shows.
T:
{"hour": 10, "minute": 7, "second": 59}
